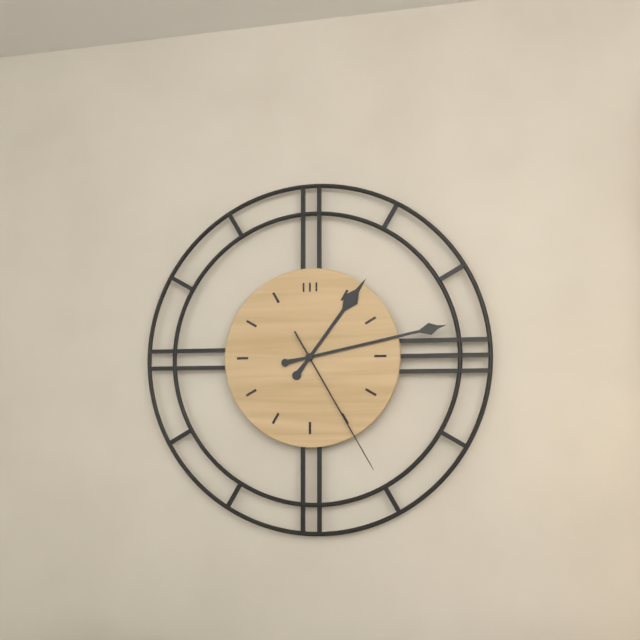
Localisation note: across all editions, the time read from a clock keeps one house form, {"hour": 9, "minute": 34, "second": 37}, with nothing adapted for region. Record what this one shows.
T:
{"hour": 1, "minute": 13, "second": 25}
